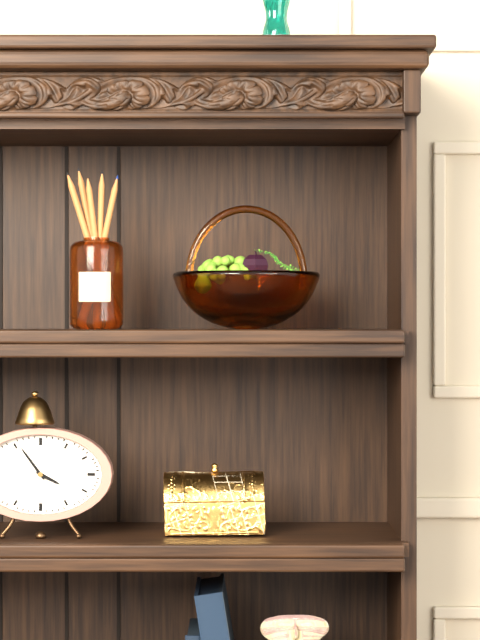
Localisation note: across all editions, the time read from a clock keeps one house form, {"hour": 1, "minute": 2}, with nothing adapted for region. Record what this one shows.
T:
{"hour": 3, "minute": 54}
